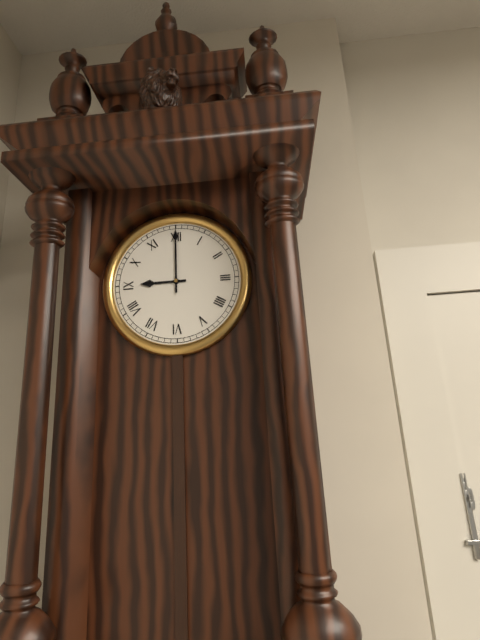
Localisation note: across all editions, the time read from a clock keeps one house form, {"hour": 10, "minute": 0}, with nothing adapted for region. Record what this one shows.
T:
{"hour": 9, "minute": 0}
